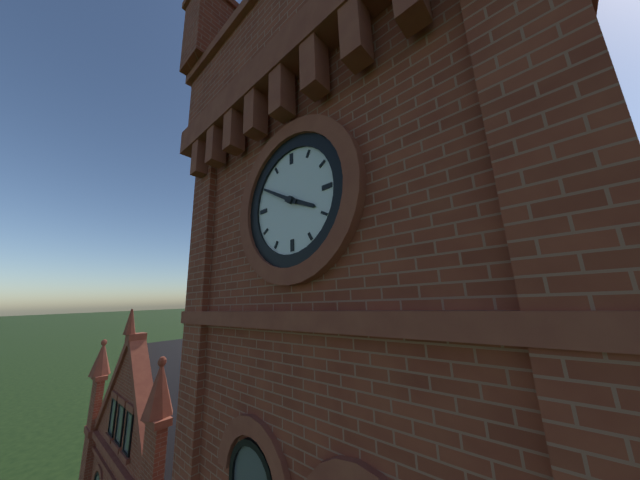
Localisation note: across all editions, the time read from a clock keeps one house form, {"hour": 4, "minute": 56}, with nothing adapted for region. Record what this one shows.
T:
{"hour": 3, "minute": 50}
